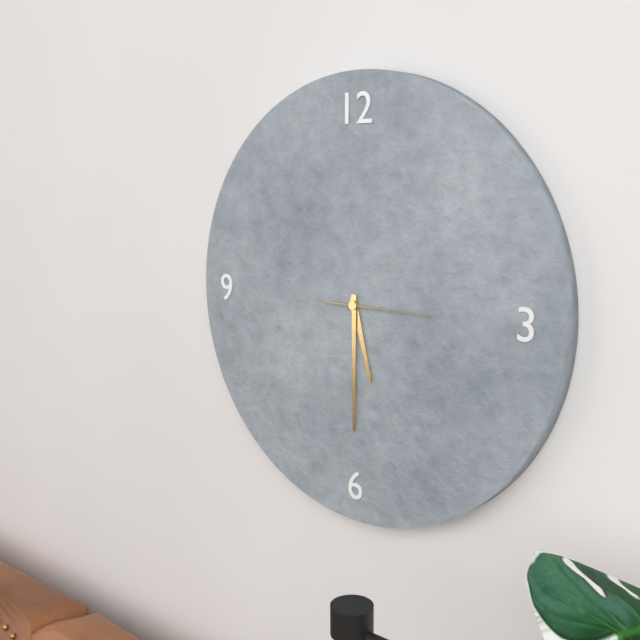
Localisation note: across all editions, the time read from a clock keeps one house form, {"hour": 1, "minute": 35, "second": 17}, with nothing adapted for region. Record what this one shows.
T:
{"hour": 5, "minute": 30, "second": 15}
